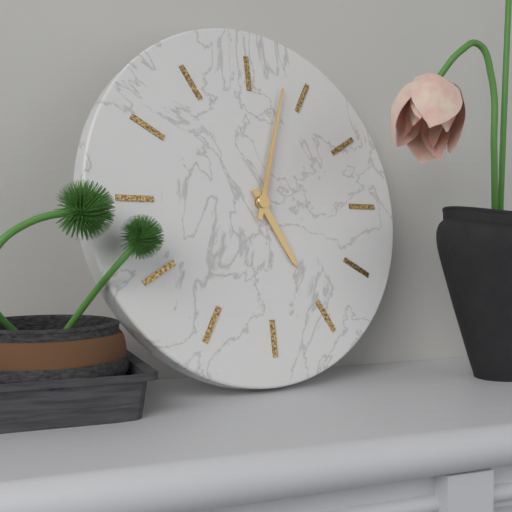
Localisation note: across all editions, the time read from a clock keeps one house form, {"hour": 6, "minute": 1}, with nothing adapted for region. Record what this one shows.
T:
{"hour": 5, "minute": 3}
